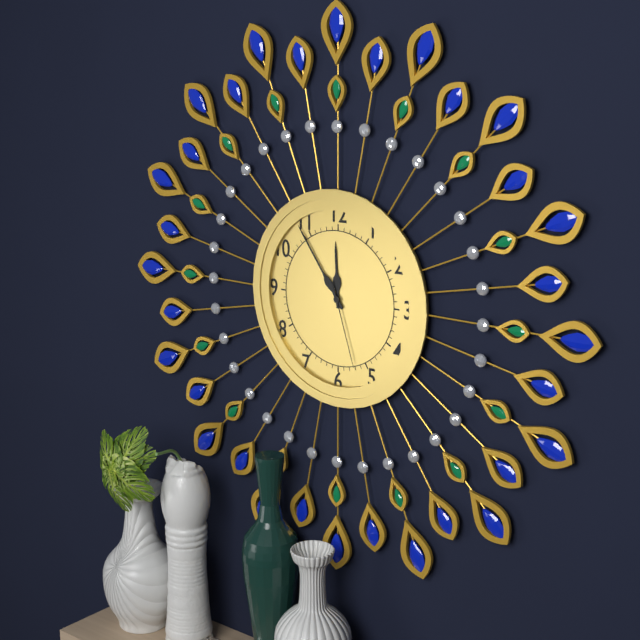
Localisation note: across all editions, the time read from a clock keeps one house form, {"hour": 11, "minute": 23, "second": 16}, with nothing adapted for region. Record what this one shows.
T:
{"hour": 11, "minute": 54, "second": 27}
